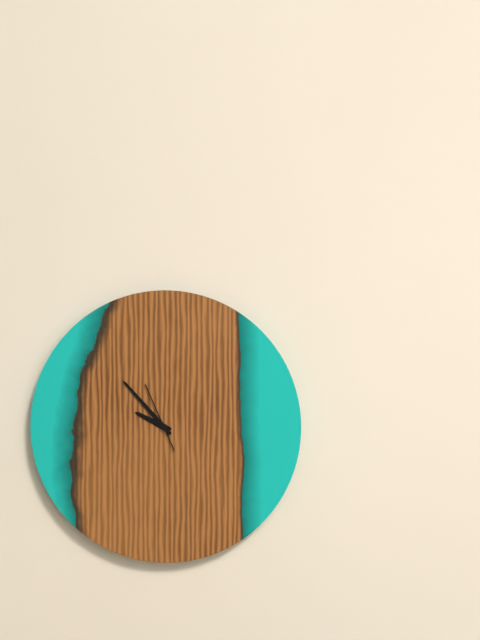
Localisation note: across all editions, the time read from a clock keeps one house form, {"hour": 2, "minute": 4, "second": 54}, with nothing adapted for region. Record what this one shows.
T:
{"hour": 9, "minute": 53, "second": 56}
